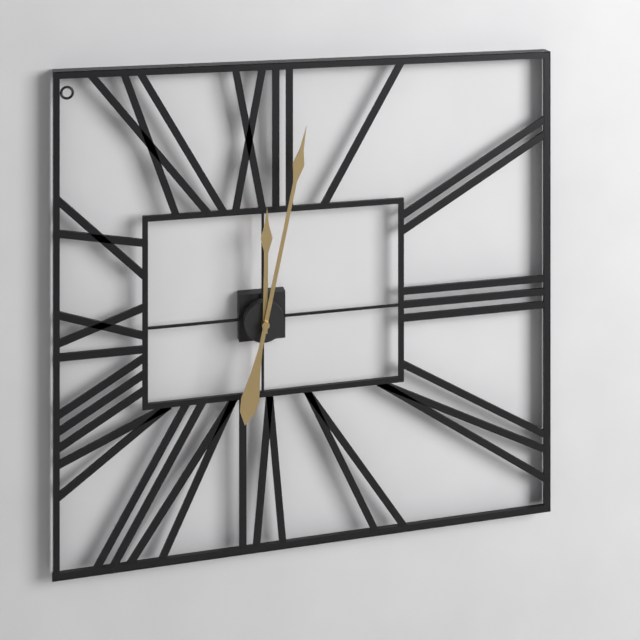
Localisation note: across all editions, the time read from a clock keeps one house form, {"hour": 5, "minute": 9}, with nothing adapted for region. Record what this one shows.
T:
{"hour": 12, "minute": 2}
